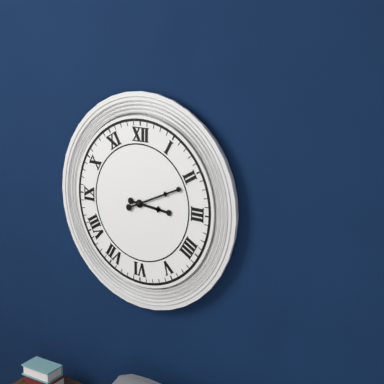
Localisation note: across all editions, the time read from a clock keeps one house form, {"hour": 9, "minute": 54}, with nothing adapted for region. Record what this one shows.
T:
{"hour": 3, "minute": 11}
